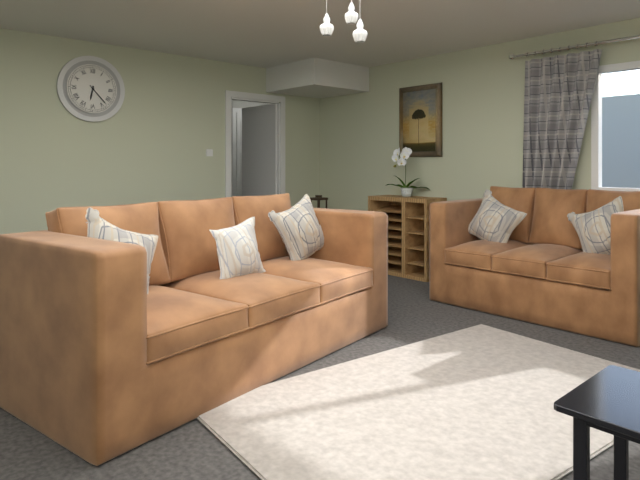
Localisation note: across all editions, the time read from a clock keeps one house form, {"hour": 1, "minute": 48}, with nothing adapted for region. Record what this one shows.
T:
{"hour": 6, "minute": 23}
